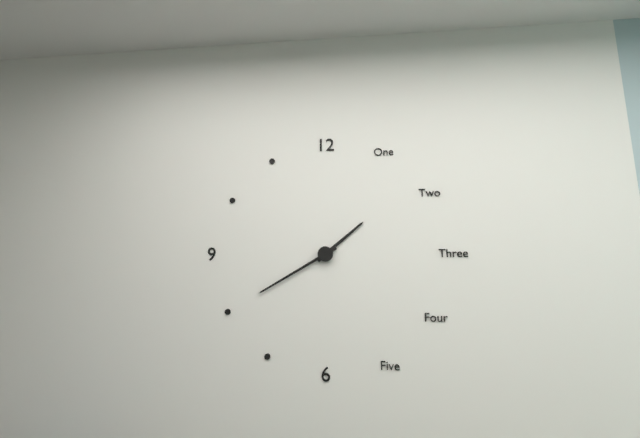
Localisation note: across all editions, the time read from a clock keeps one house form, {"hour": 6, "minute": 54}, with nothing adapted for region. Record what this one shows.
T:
{"hour": 1, "minute": 40}
